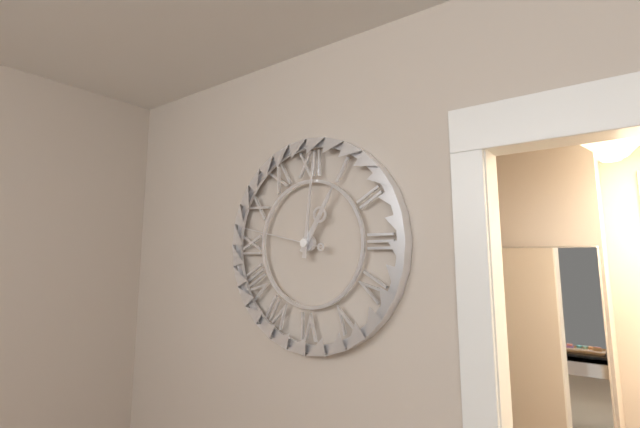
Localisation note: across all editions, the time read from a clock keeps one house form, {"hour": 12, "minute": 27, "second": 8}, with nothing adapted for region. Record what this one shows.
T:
{"hour": 1, "minute": 1, "second": 47}
